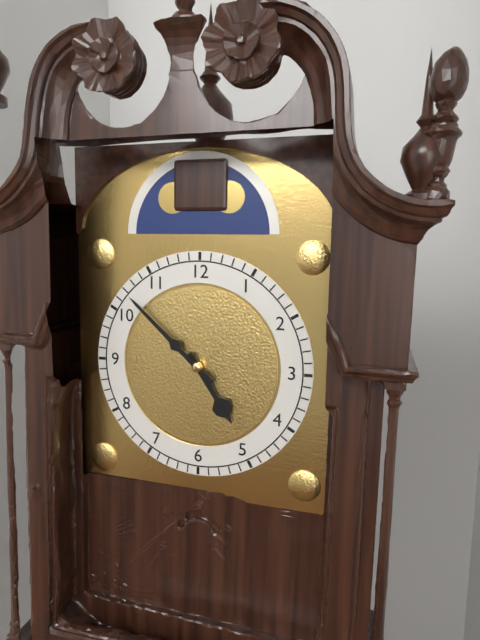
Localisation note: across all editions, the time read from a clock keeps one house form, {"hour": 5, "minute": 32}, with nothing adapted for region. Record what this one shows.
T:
{"hour": 4, "minute": 52}
